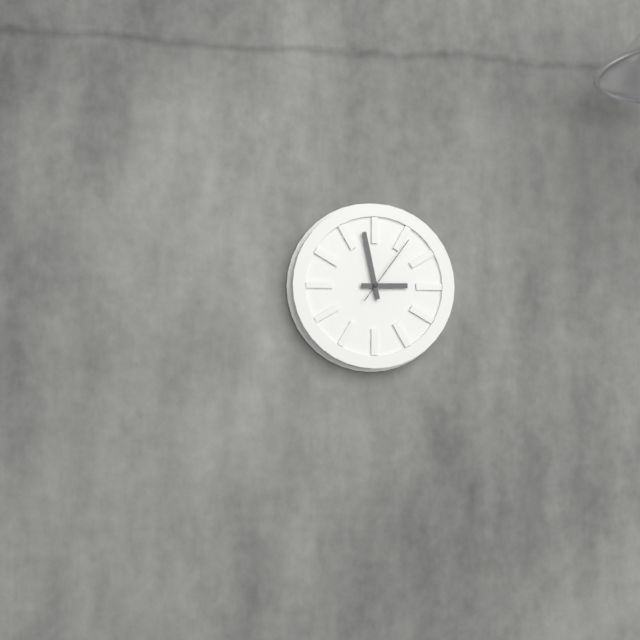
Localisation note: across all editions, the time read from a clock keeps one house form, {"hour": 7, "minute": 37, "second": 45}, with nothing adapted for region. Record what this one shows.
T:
{"hour": 2, "minute": 58, "second": 6}
